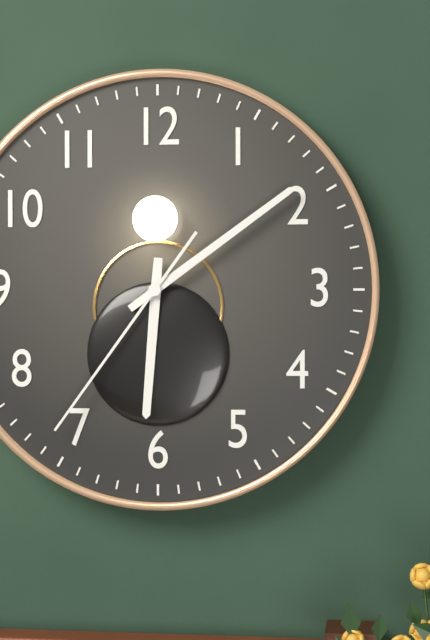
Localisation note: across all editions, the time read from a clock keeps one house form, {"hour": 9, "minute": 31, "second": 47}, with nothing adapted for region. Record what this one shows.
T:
{"hour": 6, "minute": 9, "second": 36}
